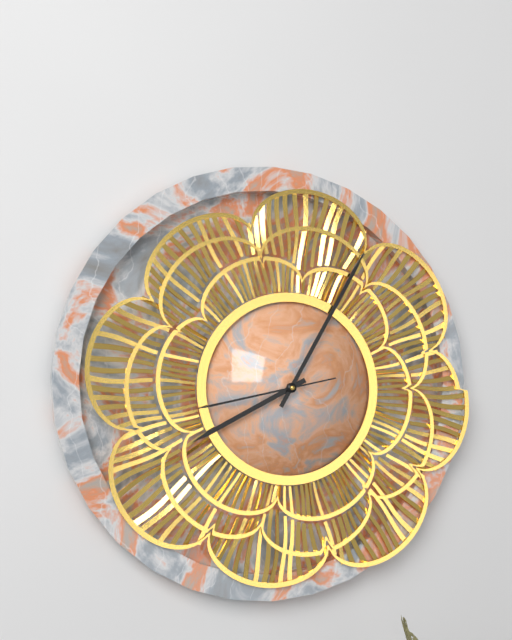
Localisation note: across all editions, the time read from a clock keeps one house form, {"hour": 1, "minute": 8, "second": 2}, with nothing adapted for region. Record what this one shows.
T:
{"hour": 8, "minute": 5, "second": 43}
